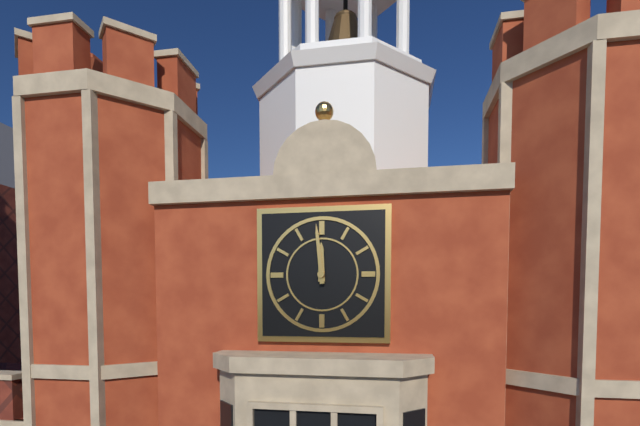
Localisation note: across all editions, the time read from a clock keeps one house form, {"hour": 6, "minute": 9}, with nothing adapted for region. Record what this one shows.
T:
{"hour": 11, "minute": 59}
